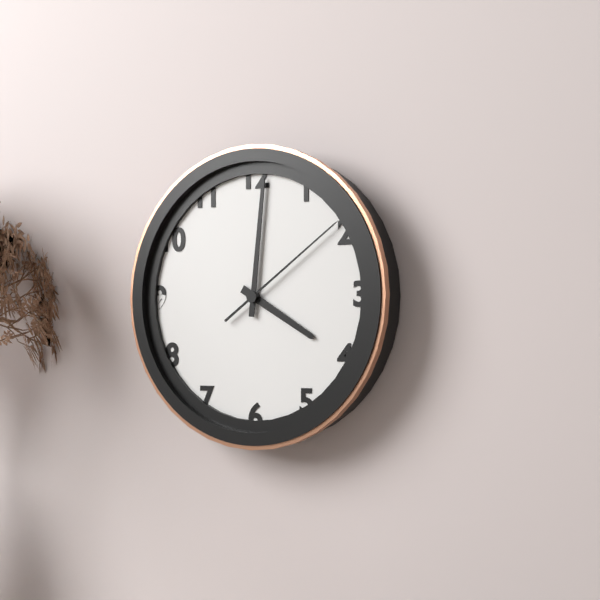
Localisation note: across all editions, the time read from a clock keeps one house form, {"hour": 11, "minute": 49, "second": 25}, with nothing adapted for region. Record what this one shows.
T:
{"hour": 4, "minute": 1, "second": 9}
